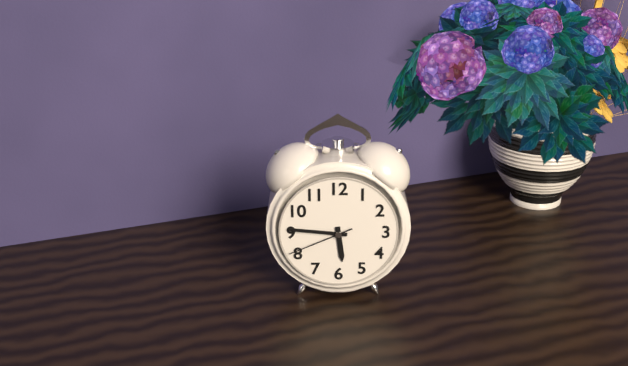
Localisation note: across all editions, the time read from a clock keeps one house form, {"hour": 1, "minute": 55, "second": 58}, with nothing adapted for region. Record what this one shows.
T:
{"hour": 5, "minute": 46, "second": 41}
